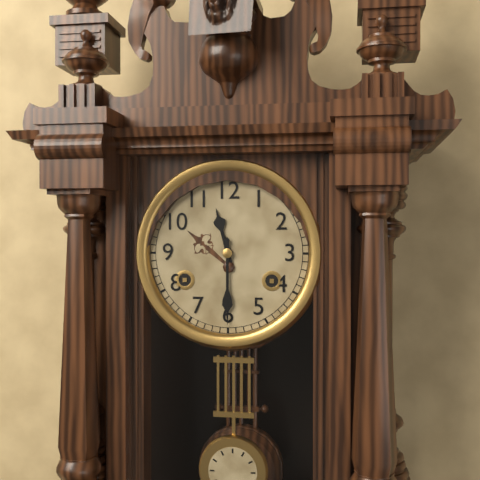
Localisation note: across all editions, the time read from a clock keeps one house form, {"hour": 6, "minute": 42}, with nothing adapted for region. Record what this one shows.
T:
{"hour": 11, "minute": 30}
